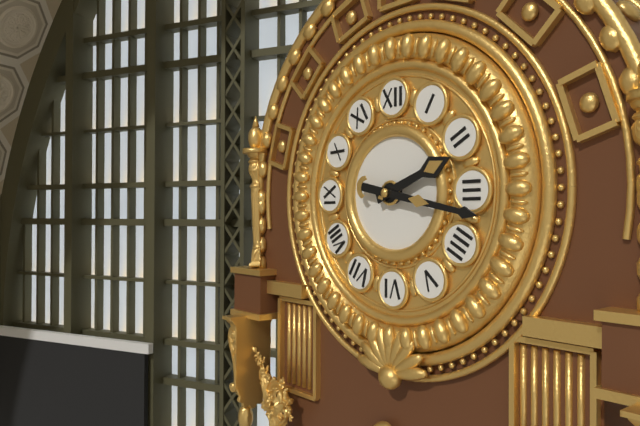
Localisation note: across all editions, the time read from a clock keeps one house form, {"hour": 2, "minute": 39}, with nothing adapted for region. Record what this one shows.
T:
{"hour": 2, "minute": 17}
